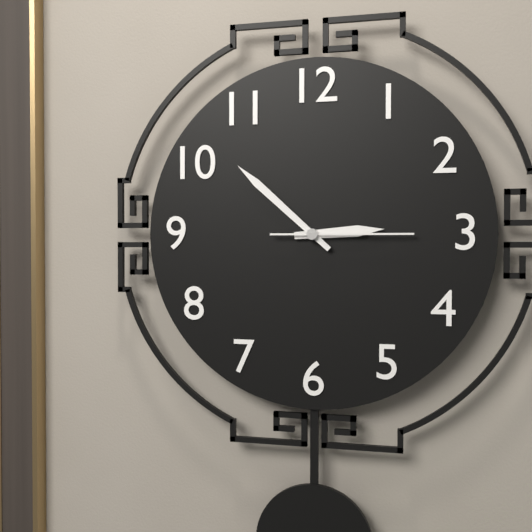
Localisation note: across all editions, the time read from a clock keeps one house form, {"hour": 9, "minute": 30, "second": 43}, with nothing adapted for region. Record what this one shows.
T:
{"hour": 2, "minute": 52, "second": 15}
